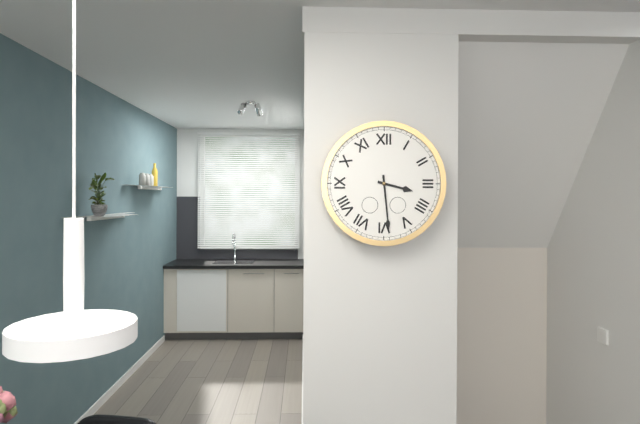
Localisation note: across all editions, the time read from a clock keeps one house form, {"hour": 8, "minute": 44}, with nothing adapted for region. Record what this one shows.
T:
{"hour": 3, "minute": 29}
